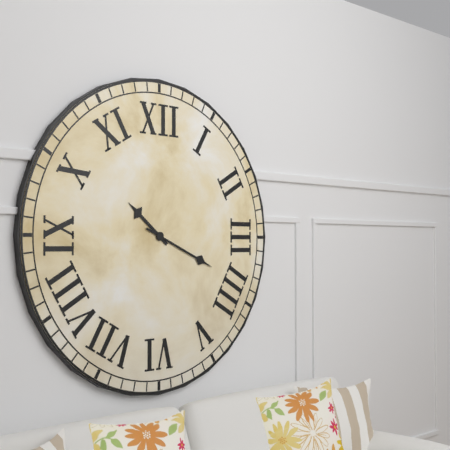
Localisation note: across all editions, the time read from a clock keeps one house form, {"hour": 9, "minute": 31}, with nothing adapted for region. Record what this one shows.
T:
{"hour": 10, "minute": 19}
